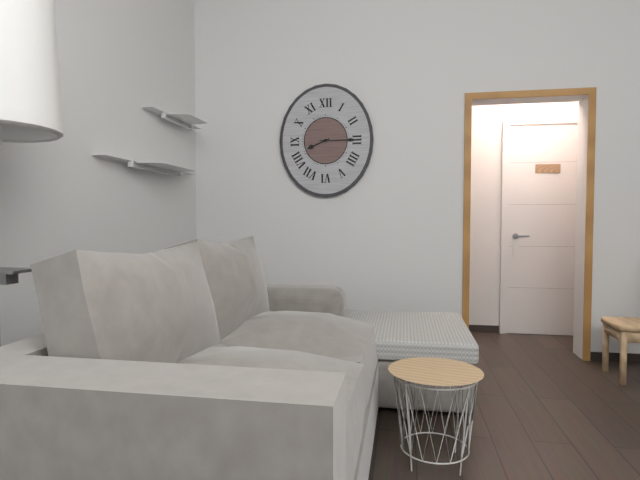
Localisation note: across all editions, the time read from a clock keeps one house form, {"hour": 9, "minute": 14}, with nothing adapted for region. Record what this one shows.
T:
{"hour": 8, "minute": 15}
